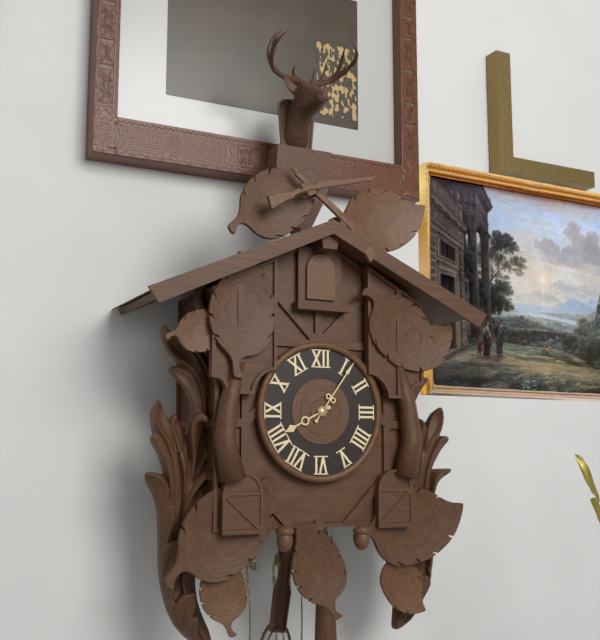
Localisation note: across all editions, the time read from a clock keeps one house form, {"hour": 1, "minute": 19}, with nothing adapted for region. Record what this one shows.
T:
{"hour": 8, "minute": 6}
